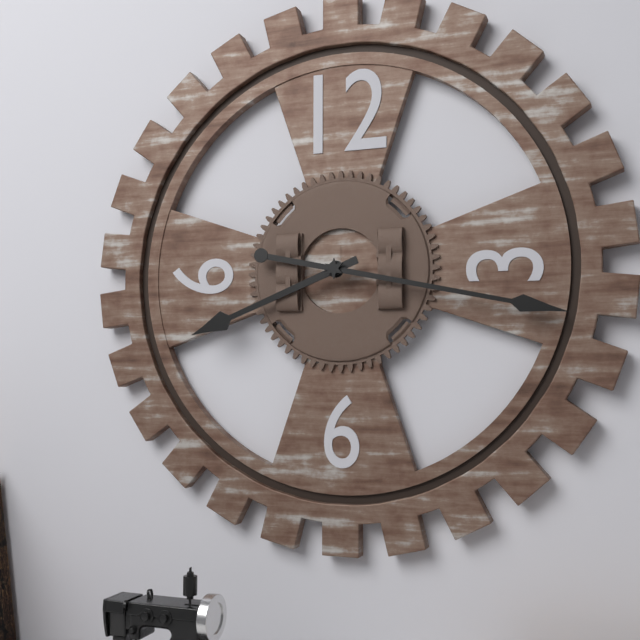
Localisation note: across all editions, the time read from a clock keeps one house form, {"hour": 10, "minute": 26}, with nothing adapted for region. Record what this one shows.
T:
{"hour": 8, "minute": 17}
